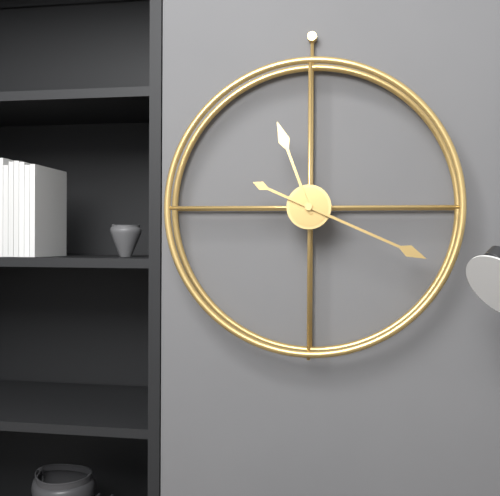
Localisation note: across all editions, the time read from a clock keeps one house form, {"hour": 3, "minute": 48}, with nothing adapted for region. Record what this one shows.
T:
{"hour": 11, "minute": 19}
